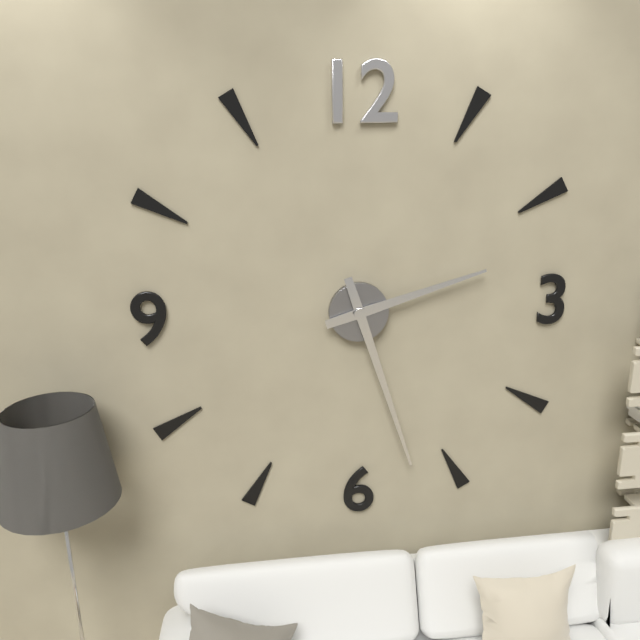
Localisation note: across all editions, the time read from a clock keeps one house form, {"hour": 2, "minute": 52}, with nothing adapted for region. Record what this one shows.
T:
{"hour": 2, "minute": 27}
